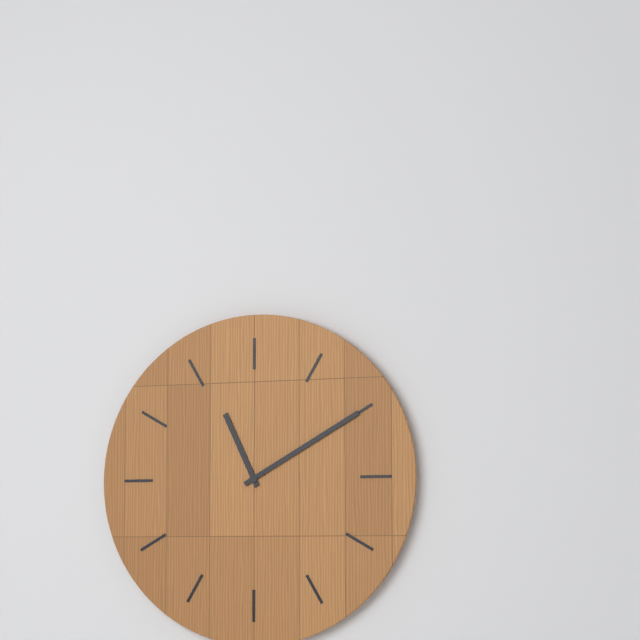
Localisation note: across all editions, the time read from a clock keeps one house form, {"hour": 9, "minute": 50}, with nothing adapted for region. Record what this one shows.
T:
{"hour": 11, "minute": 10}
